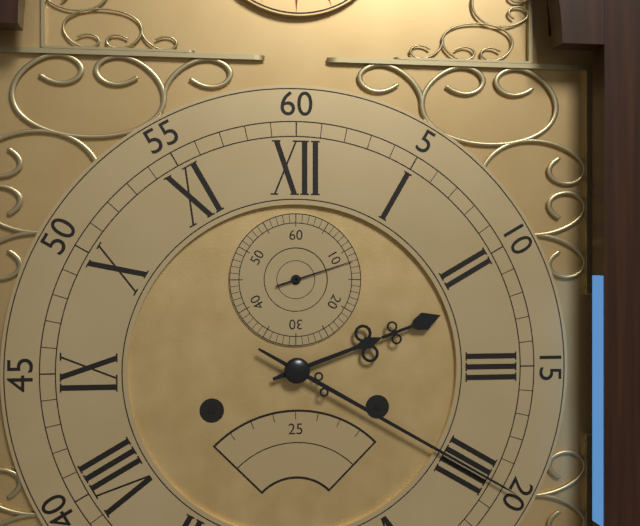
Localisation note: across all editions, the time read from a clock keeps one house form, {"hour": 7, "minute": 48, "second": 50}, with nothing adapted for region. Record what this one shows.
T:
{"hour": 2, "minute": 20, "second": 12}
